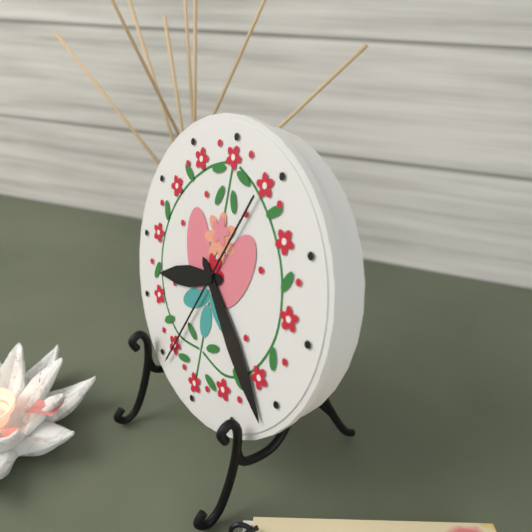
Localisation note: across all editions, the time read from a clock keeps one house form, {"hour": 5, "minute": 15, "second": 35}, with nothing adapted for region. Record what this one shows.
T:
{"hour": 8, "minute": 22, "second": 34}
